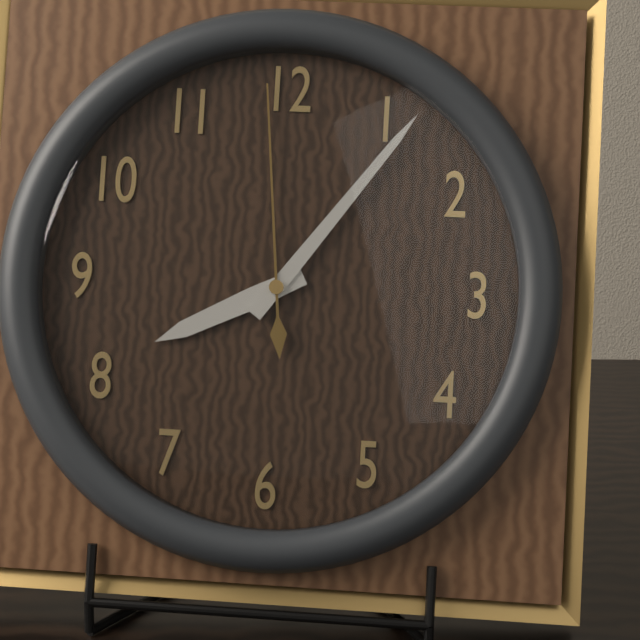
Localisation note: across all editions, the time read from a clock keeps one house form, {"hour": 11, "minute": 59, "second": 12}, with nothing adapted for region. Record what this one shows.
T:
{"hour": 8, "minute": 6, "second": 59}
